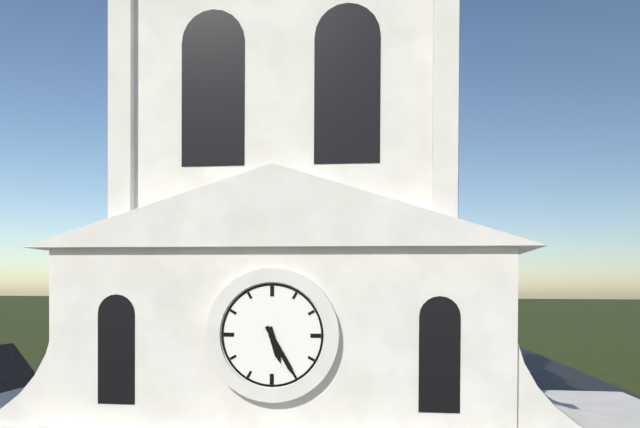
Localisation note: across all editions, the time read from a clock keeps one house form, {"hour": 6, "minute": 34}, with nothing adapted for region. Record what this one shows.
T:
{"hour": 5, "minute": 25}
